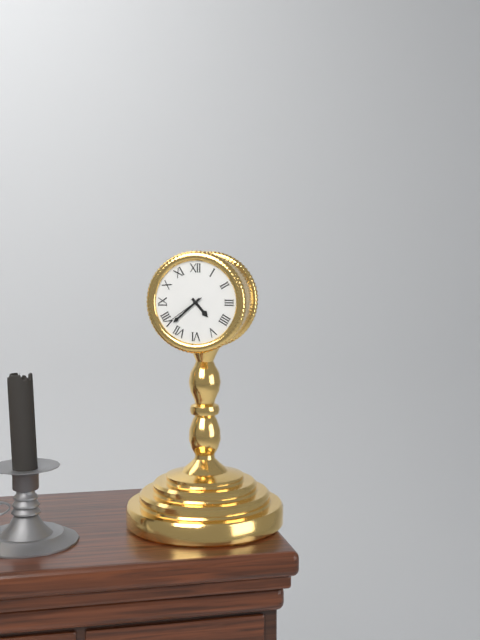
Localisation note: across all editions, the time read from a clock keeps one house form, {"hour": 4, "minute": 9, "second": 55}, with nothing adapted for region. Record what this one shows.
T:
{"hour": 4, "minute": 38, "second": 39}
